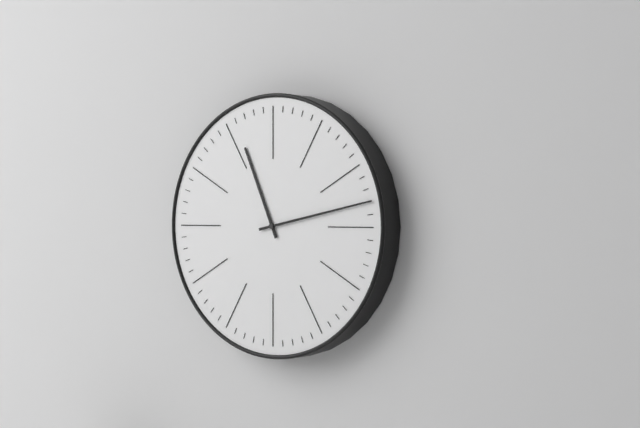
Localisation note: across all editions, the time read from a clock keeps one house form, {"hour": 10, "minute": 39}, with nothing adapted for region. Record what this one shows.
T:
{"hour": 11, "minute": 13}
